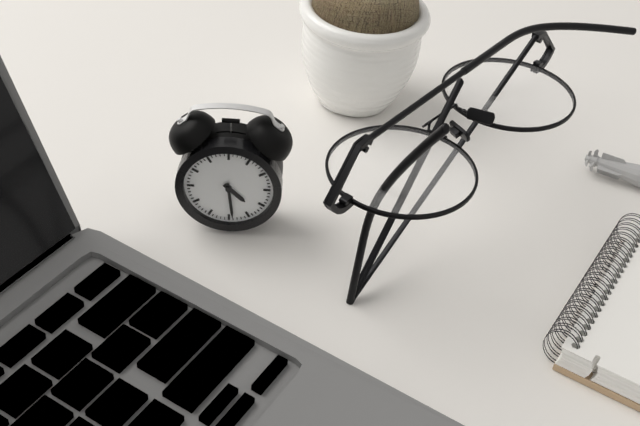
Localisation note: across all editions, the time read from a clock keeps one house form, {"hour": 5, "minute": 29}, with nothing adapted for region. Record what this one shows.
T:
{"hour": 4, "minute": 29}
